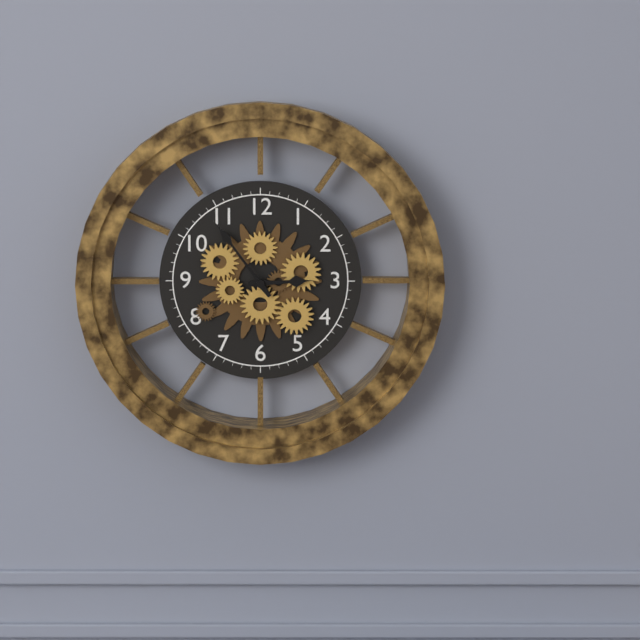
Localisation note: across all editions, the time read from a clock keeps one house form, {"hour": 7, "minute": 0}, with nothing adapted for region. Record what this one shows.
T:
{"hour": 2, "minute": 54}
